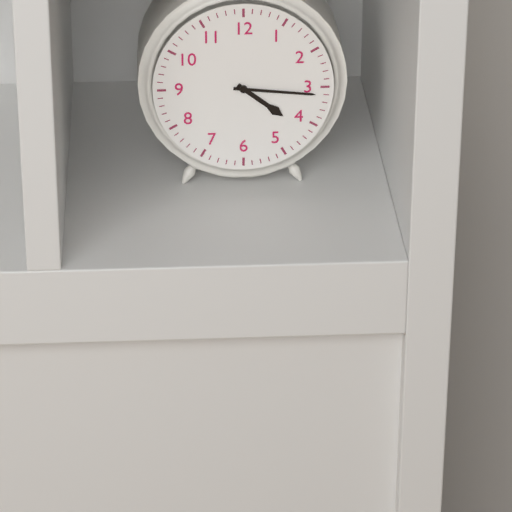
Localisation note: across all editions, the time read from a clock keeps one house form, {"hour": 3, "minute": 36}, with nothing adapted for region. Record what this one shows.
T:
{"hour": 4, "minute": 16}
